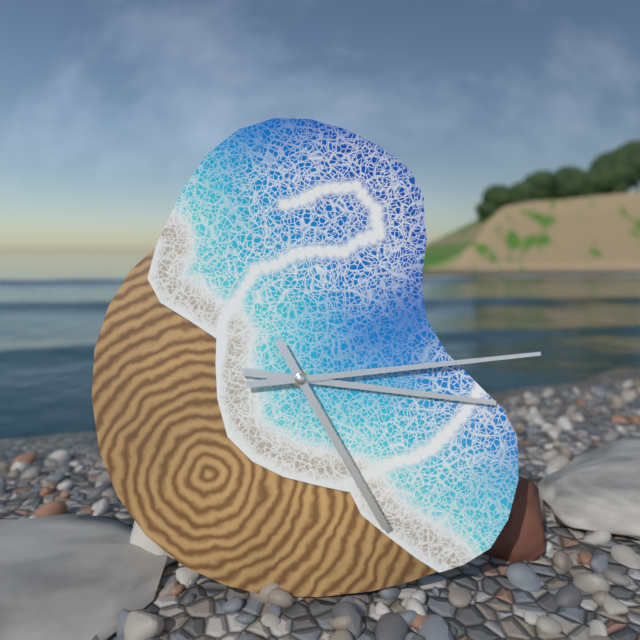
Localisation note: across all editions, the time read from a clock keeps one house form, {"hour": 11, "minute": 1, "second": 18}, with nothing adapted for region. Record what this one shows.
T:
{"hour": 3, "minute": 14, "second": 25}
